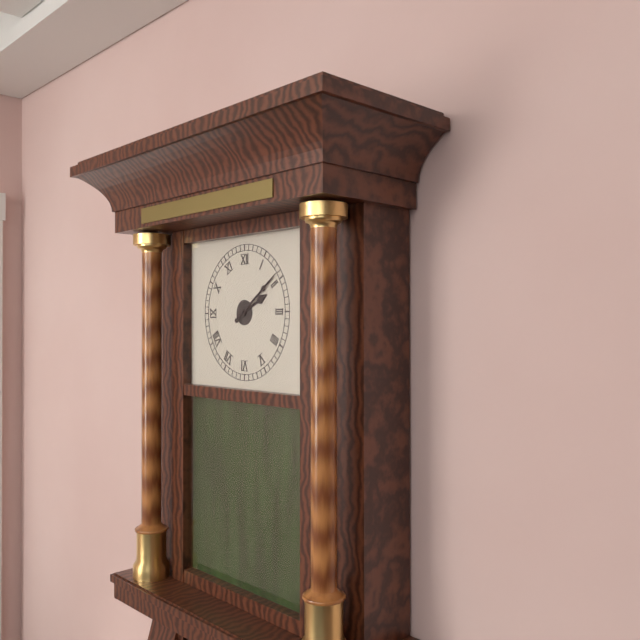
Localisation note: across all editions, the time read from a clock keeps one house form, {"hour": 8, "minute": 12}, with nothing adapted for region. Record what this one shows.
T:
{"hour": 2, "minute": 9}
